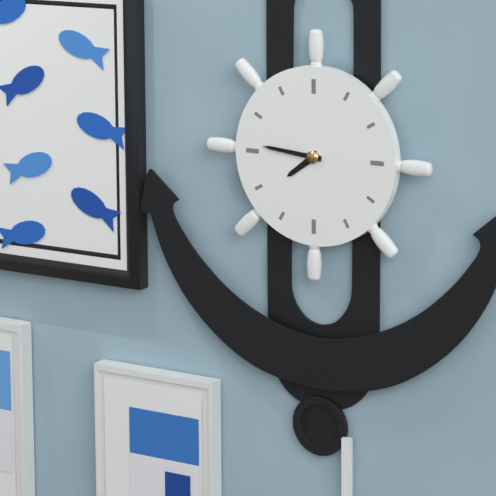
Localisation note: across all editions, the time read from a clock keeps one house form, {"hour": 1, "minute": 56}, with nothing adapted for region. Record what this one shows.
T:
{"hour": 7, "minute": 46}
